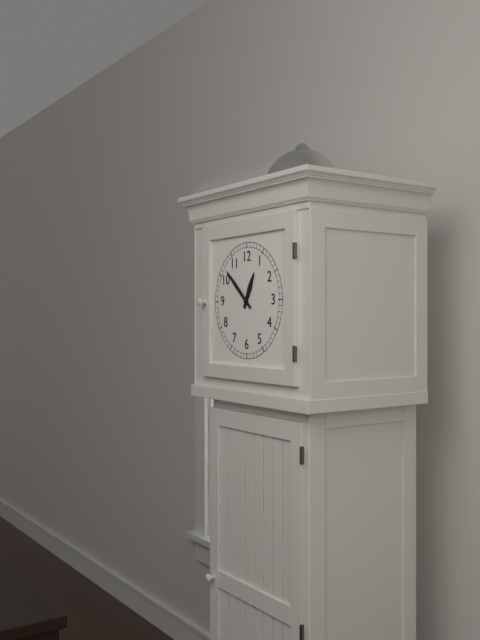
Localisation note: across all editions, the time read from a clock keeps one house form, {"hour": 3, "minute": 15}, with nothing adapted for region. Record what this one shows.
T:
{"hour": 12, "minute": 52}
